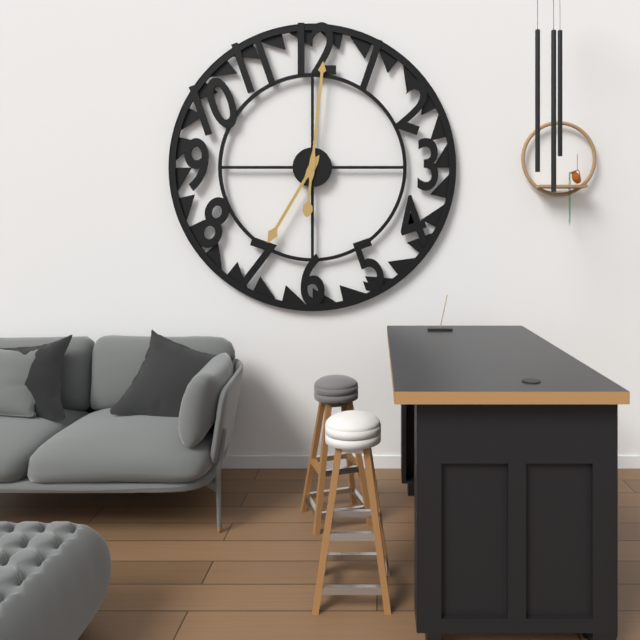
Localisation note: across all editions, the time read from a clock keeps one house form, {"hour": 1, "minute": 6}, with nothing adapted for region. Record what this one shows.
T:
{"hour": 7, "minute": 1}
